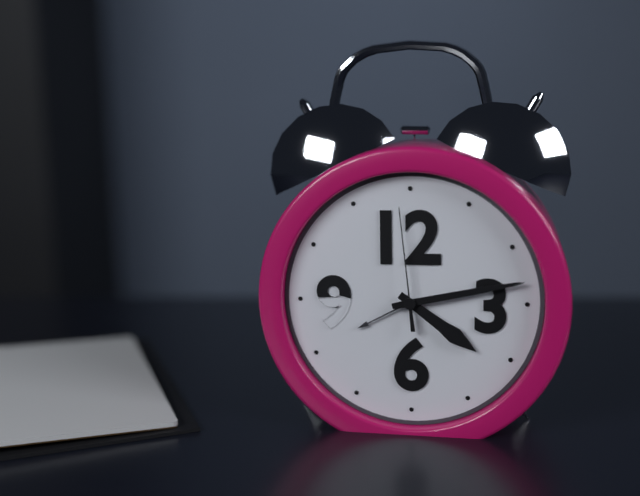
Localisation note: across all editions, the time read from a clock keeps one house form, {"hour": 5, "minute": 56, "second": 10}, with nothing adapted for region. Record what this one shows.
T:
{"hour": 4, "minute": 13, "second": 59}
